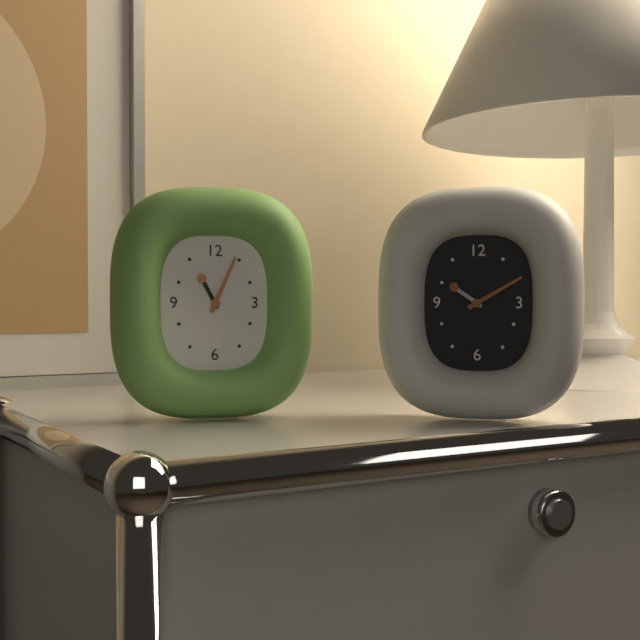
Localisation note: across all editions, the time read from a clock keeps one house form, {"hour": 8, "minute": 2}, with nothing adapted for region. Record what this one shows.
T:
{"hour": 11, "minute": 4}
